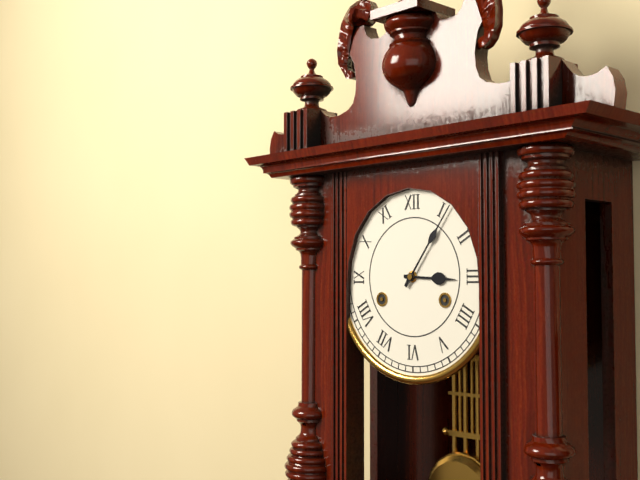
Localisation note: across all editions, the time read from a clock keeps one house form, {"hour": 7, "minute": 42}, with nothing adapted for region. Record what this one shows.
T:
{"hour": 3, "minute": 6}
